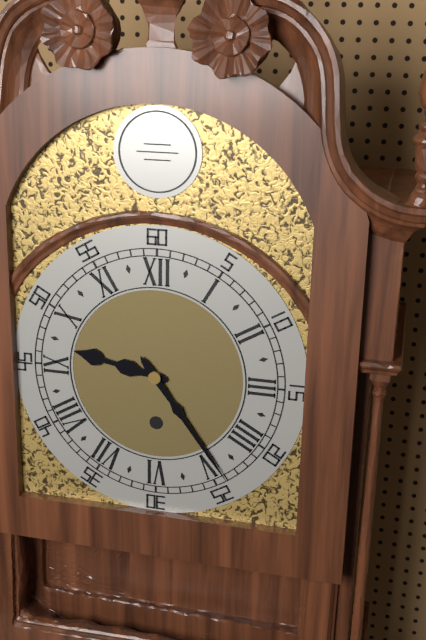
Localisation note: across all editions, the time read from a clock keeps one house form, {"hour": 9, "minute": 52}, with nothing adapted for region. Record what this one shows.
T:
{"hour": 9, "minute": 24}
